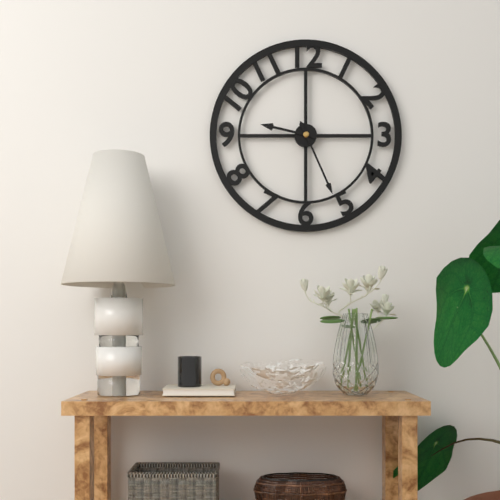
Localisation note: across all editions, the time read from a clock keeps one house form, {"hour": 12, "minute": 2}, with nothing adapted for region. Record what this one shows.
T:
{"hour": 9, "minute": 26}
